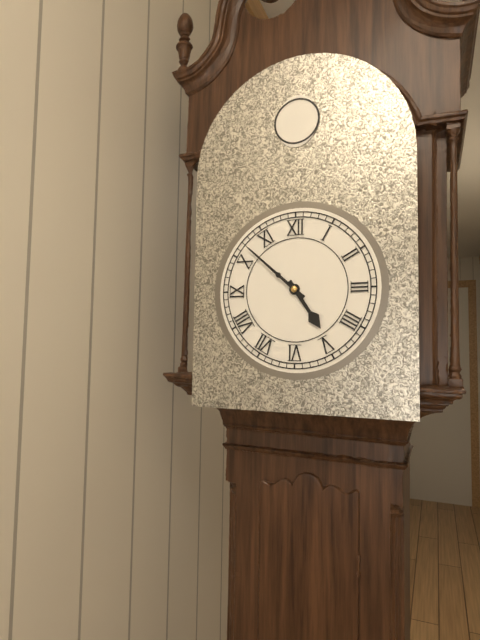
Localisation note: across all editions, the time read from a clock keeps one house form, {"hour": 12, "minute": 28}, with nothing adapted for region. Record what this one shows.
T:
{"hour": 4, "minute": 52}
